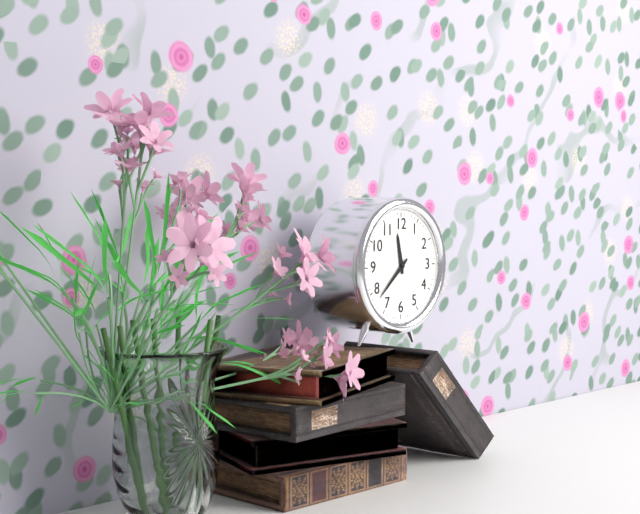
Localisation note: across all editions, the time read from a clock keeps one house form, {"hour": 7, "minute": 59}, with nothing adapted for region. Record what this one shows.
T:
{"hour": 11, "minute": 38}
